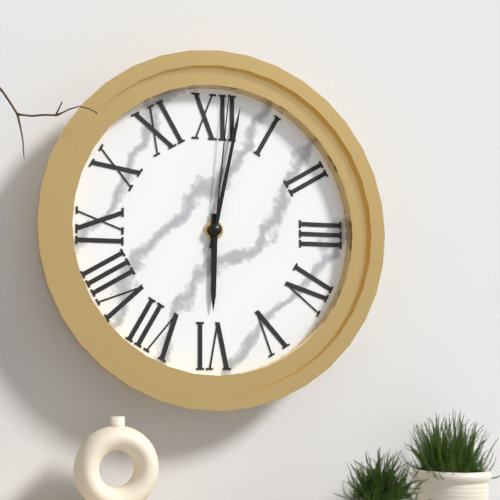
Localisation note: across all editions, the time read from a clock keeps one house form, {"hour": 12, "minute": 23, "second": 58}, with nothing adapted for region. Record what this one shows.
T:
{"hour": 6, "minute": 2, "second": 1}
